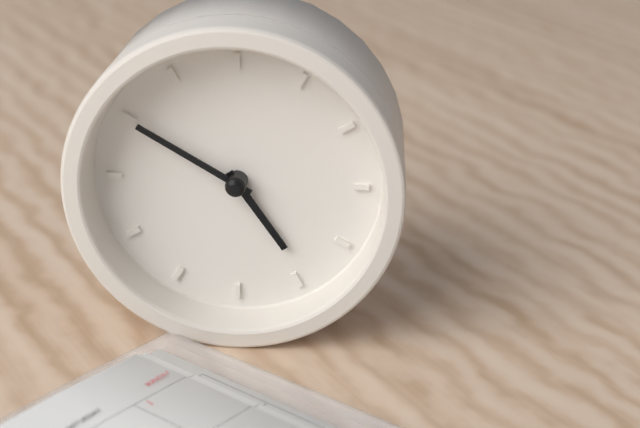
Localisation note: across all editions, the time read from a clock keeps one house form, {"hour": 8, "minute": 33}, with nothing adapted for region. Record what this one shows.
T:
{"hour": 4, "minute": 50}
